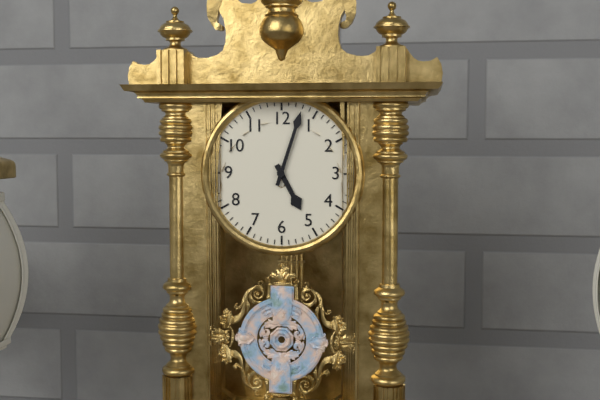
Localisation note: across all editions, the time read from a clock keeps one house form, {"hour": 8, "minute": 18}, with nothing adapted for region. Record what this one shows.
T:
{"hour": 5, "minute": 3}
